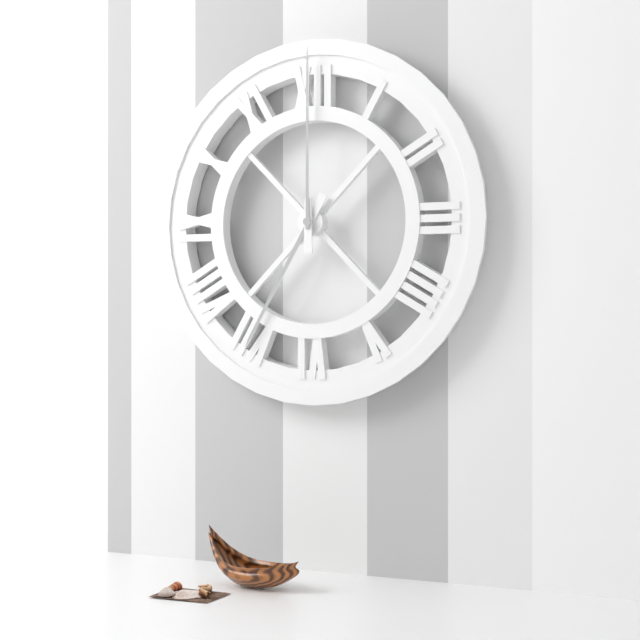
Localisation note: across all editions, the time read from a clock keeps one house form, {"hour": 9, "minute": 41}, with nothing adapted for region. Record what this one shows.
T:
{"hour": 7, "minute": 0}
